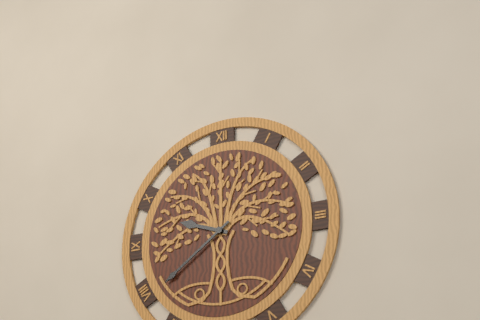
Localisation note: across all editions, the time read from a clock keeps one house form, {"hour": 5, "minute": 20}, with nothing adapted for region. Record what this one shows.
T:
{"hour": 9, "minute": 39}
